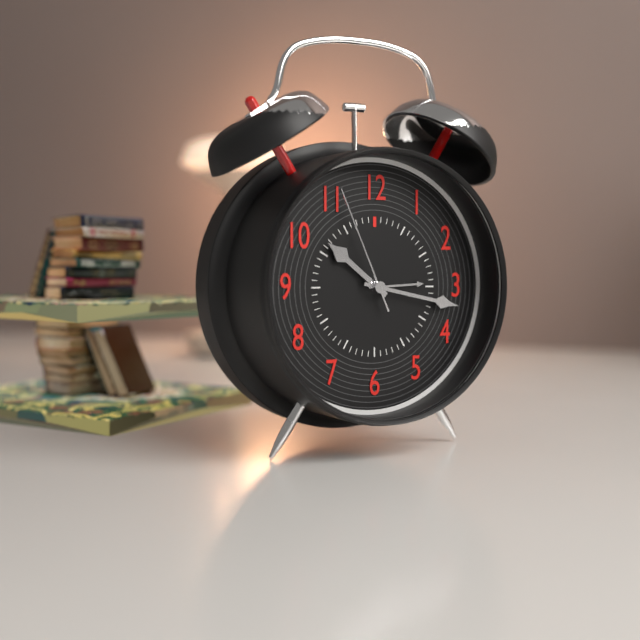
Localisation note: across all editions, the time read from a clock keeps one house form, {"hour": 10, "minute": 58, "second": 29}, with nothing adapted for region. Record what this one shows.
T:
{"hour": 10, "minute": 17, "second": 56}
